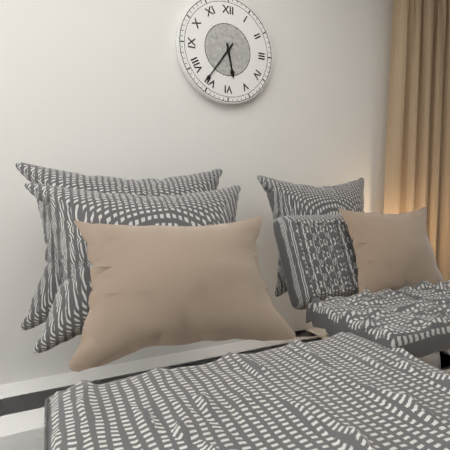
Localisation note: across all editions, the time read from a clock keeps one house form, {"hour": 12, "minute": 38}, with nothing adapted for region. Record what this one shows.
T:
{"hour": 5, "minute": 36}
